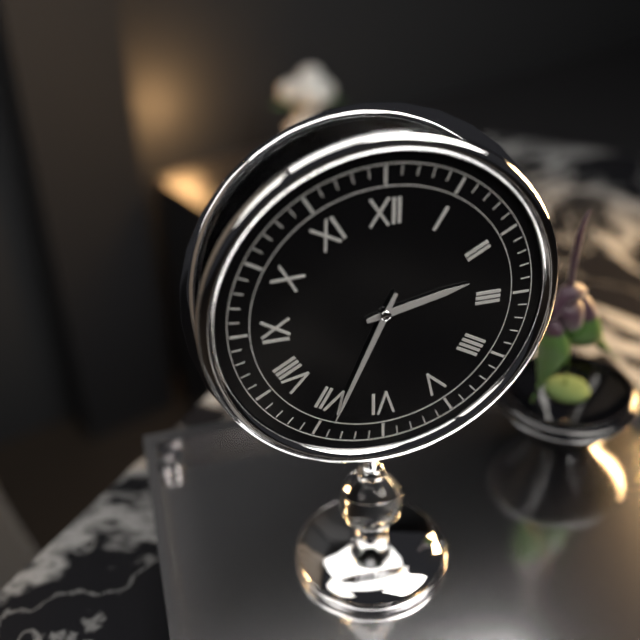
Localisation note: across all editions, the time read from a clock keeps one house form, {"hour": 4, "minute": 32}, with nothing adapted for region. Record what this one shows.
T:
{"hour": 2, "minute": 34}
